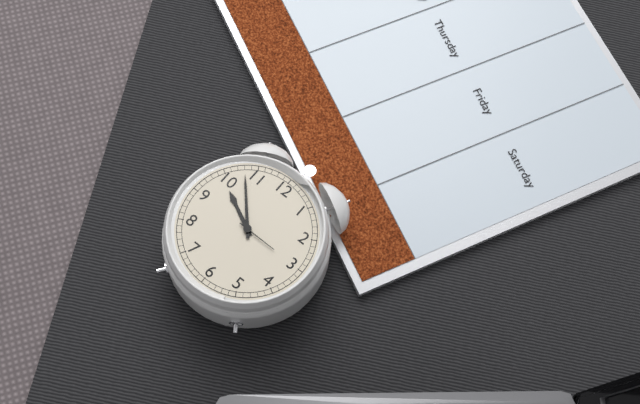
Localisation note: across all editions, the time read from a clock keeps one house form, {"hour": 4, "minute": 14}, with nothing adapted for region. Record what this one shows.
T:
{"hour": 9, "minute": 53}
